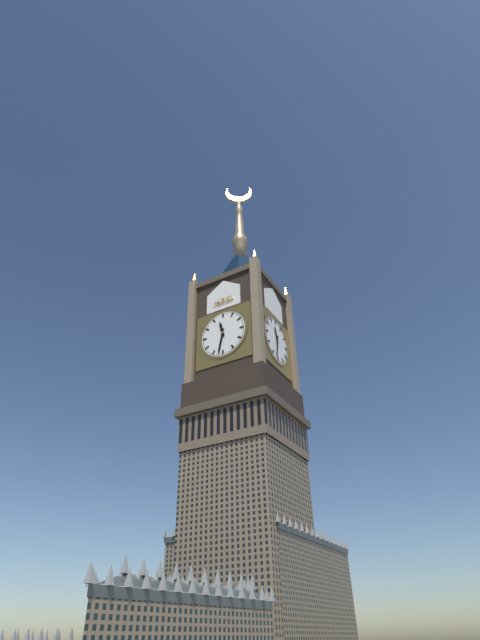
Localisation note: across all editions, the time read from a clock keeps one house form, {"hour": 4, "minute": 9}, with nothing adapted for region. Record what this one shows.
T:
{"hour": 11, "minute": 32}
